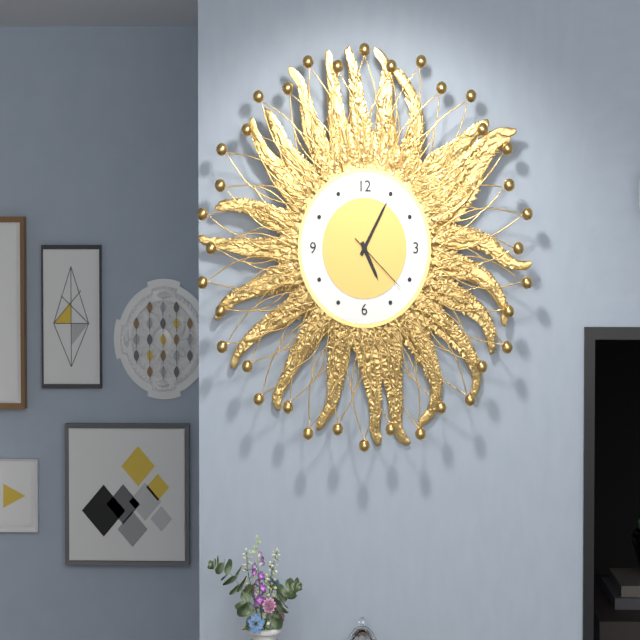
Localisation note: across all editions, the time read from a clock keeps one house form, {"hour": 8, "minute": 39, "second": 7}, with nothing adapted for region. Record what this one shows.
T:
{"hour": 5, "minute": 5, "second": 22}
